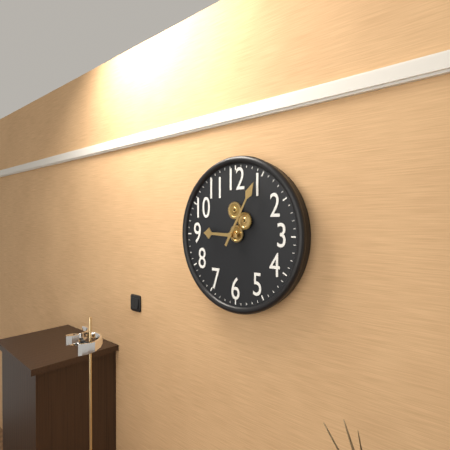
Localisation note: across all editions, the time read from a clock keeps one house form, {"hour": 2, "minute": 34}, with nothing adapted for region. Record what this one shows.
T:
{"hour": 9, "minute": 5}
